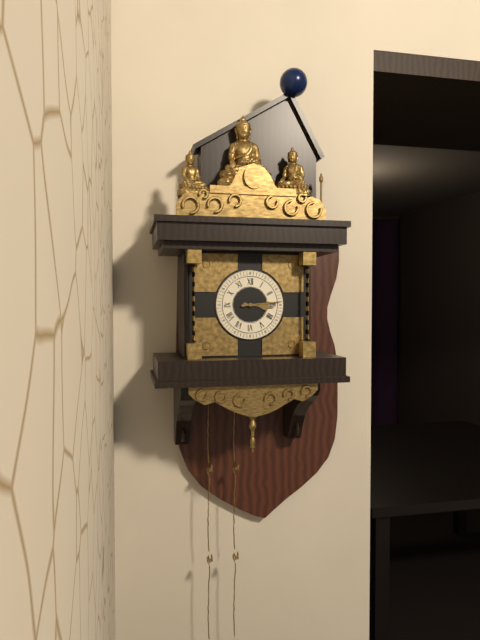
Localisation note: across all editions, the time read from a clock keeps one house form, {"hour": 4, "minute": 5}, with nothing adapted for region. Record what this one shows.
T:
{"hour": 3, "minute": 14}
